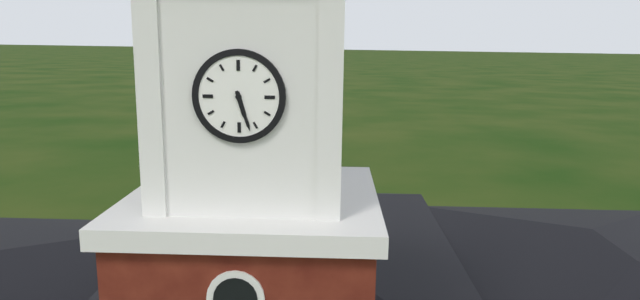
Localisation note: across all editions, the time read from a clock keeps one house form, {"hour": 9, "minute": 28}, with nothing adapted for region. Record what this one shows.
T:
{"hour": 5, "minute": 27}
